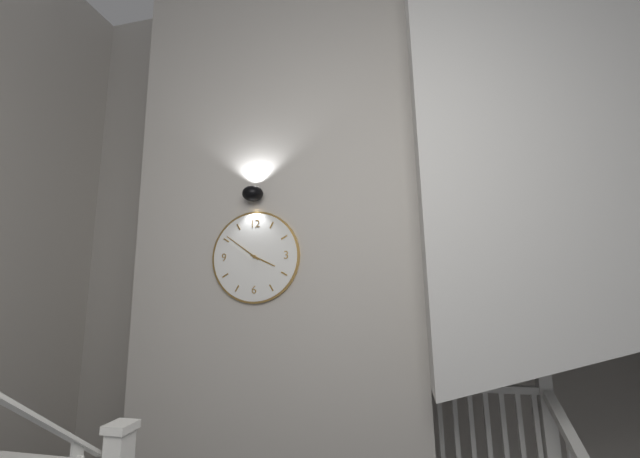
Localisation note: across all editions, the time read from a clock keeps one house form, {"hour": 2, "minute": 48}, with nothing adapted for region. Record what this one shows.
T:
{"hour": 3, "minute": 51}
